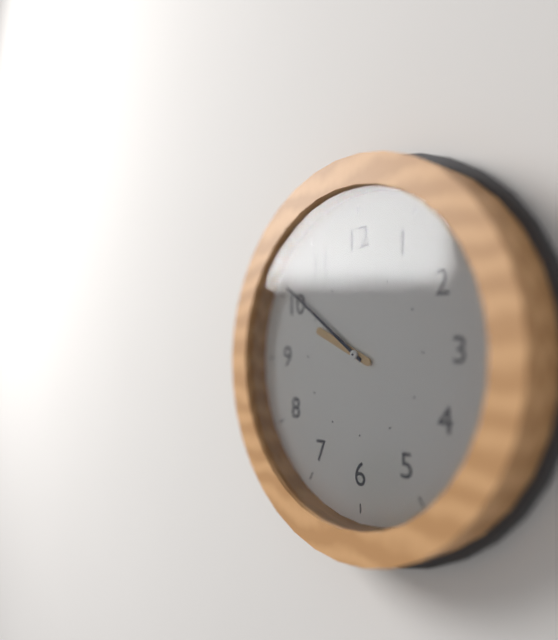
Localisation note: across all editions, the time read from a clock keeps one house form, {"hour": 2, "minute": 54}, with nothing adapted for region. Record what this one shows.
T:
{"hour": 9, "minute": 51}
